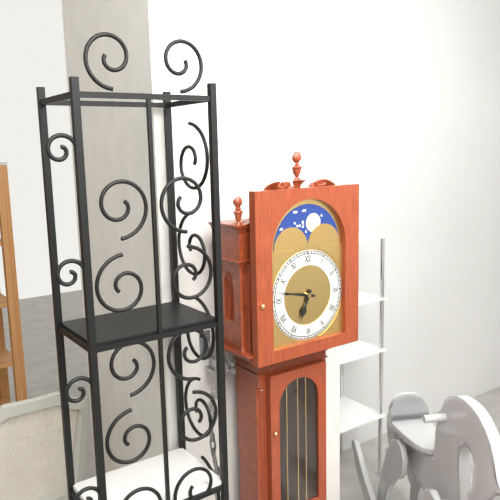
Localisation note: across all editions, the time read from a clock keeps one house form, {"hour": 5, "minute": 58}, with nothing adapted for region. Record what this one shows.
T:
{"hour": 6, "minute": 47}
